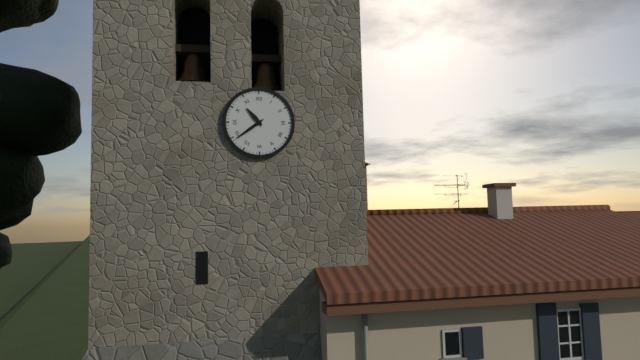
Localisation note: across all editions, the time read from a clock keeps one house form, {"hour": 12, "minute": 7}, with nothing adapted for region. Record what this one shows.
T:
{"hour": 10, "minute": 39}
